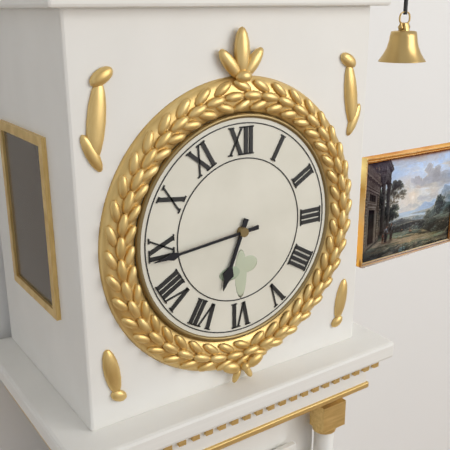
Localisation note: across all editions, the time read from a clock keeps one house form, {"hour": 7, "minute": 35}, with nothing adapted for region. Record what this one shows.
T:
{"hour": 6, "minute": 44}
